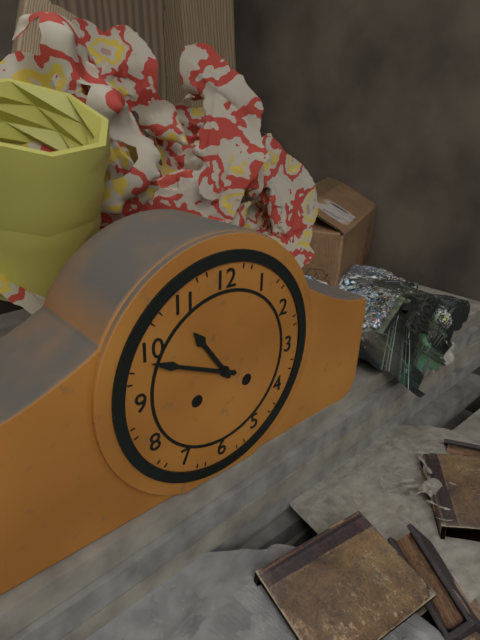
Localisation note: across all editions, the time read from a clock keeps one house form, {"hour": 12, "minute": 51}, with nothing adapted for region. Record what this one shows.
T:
{"hour": 10, "minute": 49}
